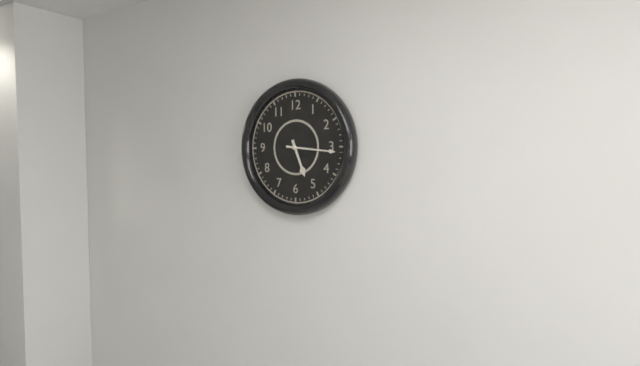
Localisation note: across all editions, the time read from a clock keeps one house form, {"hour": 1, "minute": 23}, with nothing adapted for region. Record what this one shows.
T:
{"hour": 5, "minute": 16}
